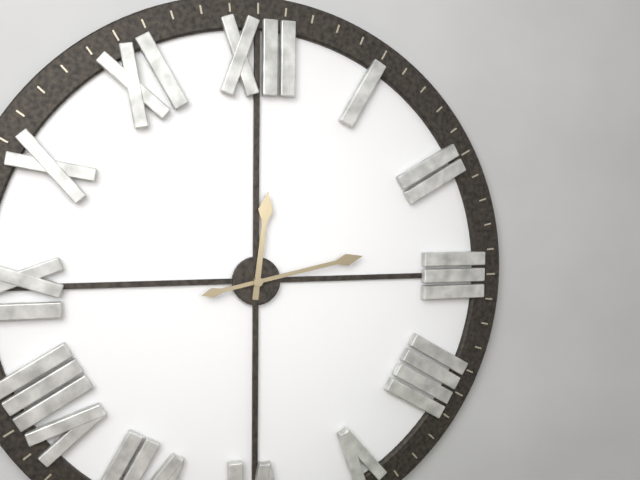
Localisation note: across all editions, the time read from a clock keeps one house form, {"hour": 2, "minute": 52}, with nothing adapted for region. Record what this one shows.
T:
{"hour": 12, "minute": 13}
